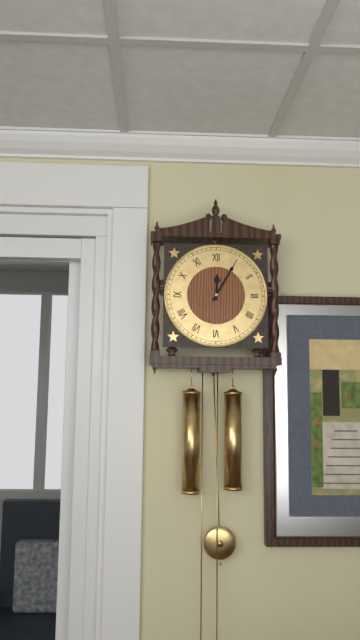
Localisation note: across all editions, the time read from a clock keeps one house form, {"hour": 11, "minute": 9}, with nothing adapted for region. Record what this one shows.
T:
{"hour": 12, "minute": 5}
